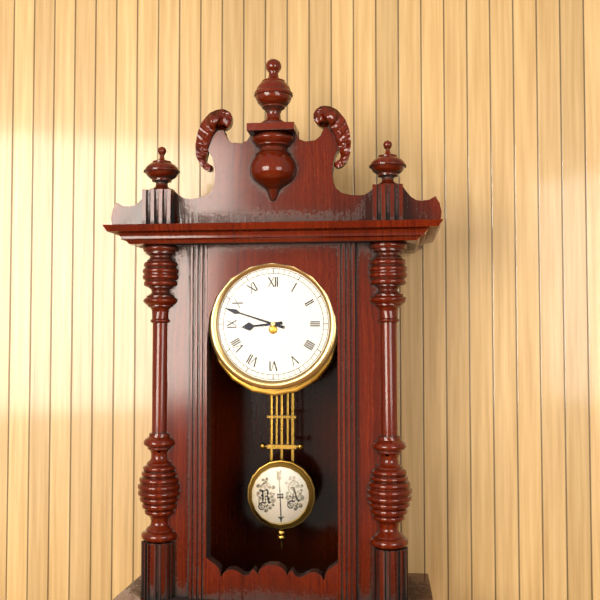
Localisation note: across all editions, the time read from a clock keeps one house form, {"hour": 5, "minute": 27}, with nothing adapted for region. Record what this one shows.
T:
{"hour": 8, "minute": 48}
